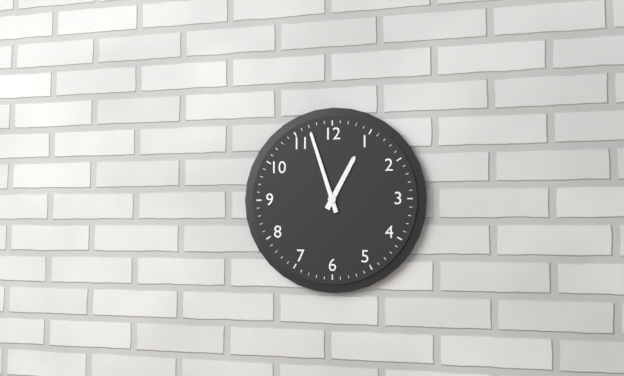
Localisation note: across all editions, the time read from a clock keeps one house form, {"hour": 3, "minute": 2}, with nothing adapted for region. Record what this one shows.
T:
{"hour": 12, "minute": 57}
